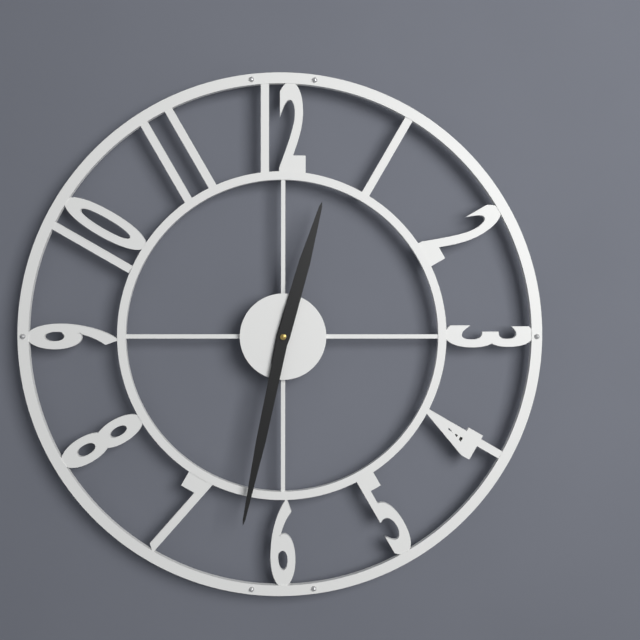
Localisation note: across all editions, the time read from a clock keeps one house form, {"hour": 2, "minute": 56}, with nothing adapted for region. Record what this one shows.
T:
{"hour": 12, "minute": 32}
